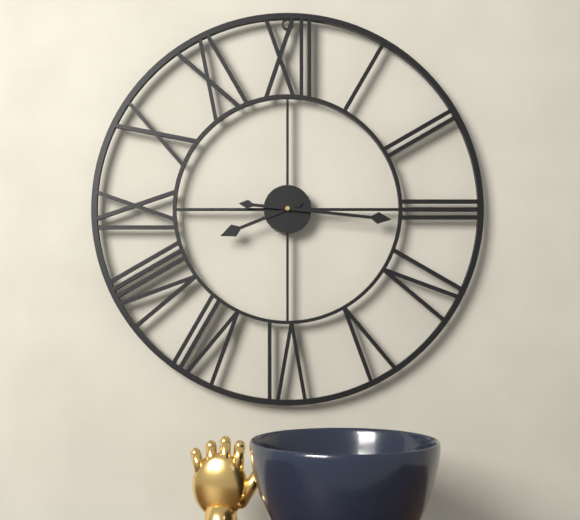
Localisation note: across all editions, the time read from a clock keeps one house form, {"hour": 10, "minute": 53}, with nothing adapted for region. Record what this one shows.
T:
{"hour": 8, "minute": 16}
